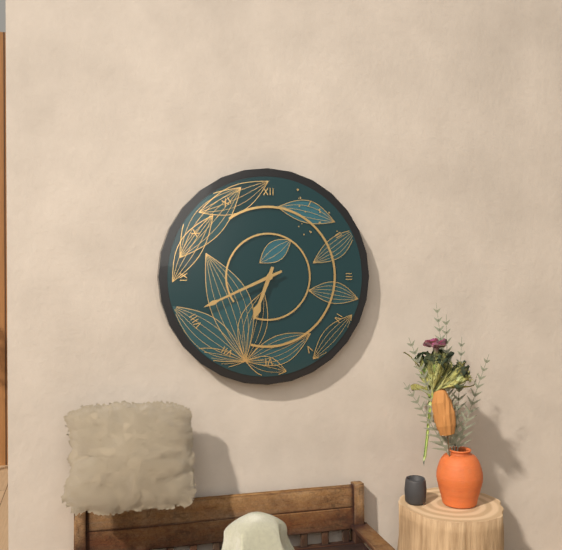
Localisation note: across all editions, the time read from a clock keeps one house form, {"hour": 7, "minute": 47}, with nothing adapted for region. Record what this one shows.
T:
{"hour": 6, "minute": 41}
